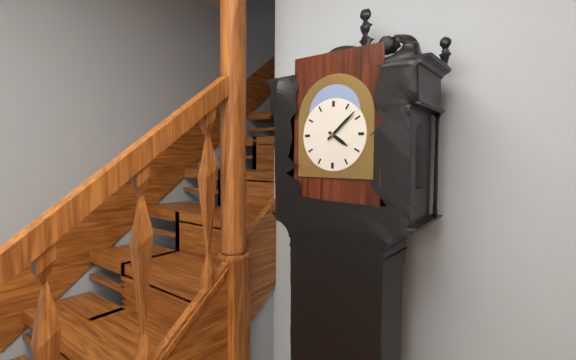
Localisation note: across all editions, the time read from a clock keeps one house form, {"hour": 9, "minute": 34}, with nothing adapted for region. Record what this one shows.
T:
{"hour": 4, "minute": 8}
